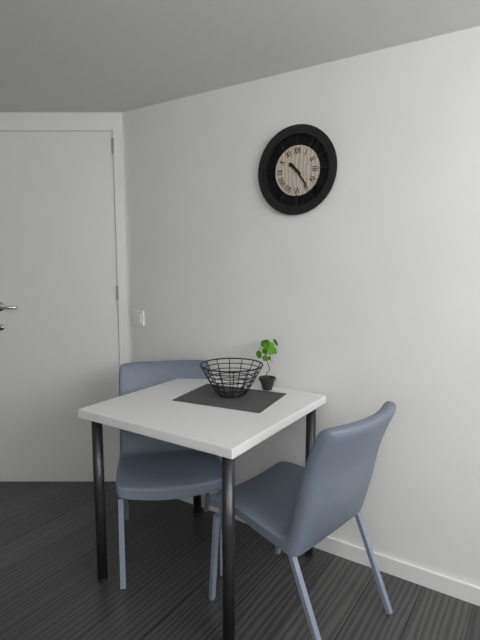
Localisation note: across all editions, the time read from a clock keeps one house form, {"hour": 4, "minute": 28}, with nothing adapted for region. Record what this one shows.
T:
{"hour": 10, "minute": 24}
